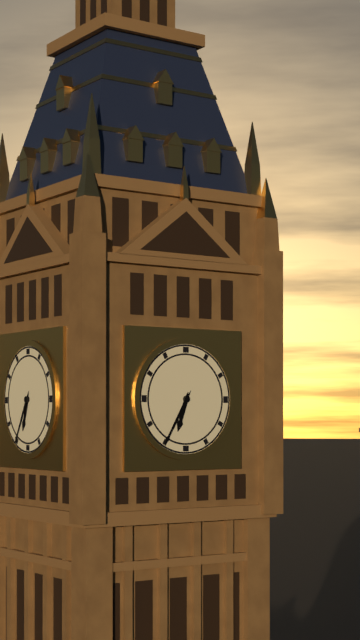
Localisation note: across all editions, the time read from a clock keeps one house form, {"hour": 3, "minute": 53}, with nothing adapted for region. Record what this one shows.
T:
{"hour": 6, "minute": 35}
